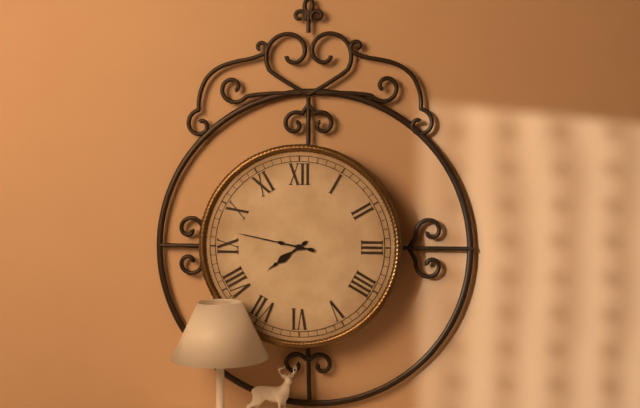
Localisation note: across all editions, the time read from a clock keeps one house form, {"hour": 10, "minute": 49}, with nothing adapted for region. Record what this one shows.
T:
{"hour": 7, "minute": 47}
